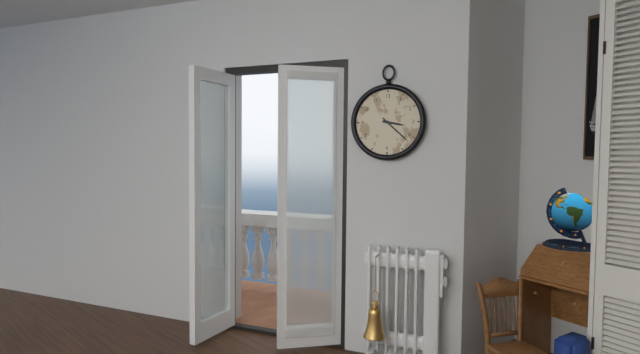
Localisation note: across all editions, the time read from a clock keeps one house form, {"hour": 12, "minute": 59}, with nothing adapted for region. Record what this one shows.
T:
{"hour": 3, "minute": 22}
